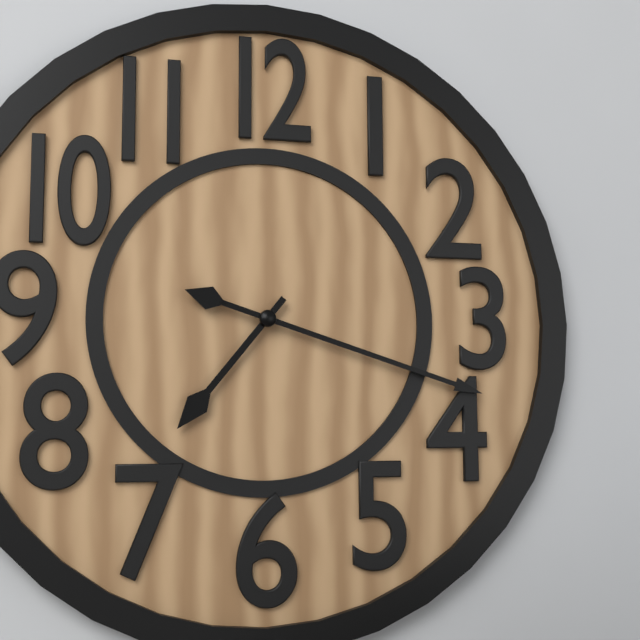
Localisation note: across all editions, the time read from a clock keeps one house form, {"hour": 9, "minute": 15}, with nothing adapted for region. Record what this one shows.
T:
{"hour": 7, "minute": 18}
